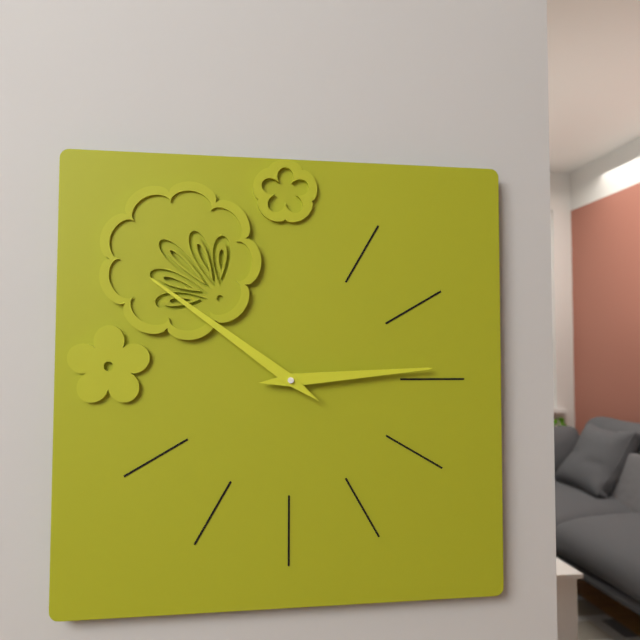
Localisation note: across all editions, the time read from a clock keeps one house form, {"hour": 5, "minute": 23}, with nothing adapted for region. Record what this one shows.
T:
{"hour": 2, "minute": 51}
